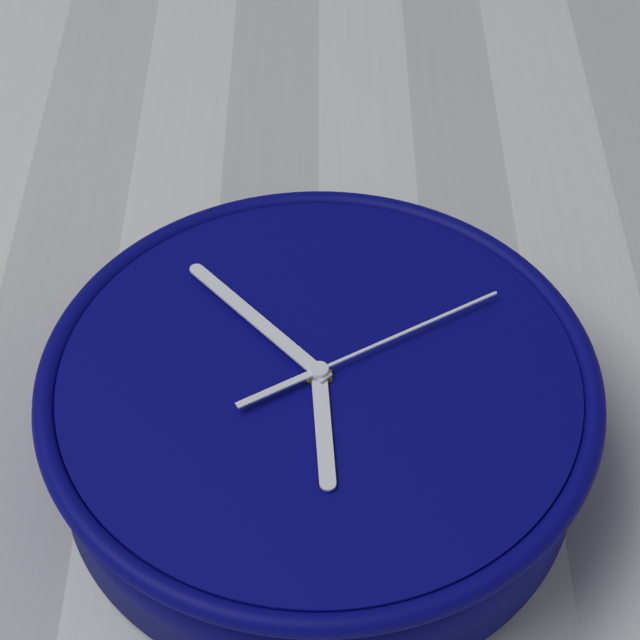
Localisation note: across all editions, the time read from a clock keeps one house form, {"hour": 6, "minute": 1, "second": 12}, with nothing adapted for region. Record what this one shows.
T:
{"hour": 5, "minute": 53, "second": 10}
